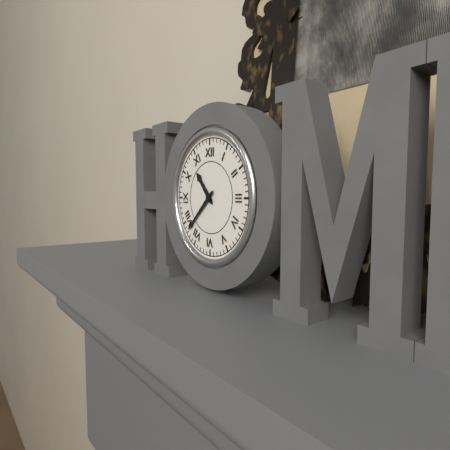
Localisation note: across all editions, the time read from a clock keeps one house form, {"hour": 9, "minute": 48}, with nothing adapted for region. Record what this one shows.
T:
{"hour": 10, "minute": 38}
